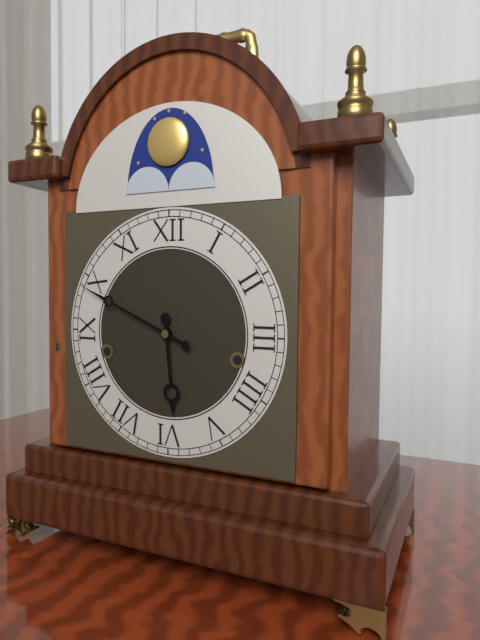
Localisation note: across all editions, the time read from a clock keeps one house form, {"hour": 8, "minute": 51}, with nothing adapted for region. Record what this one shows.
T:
{"hour": 5, "minute": 49}
